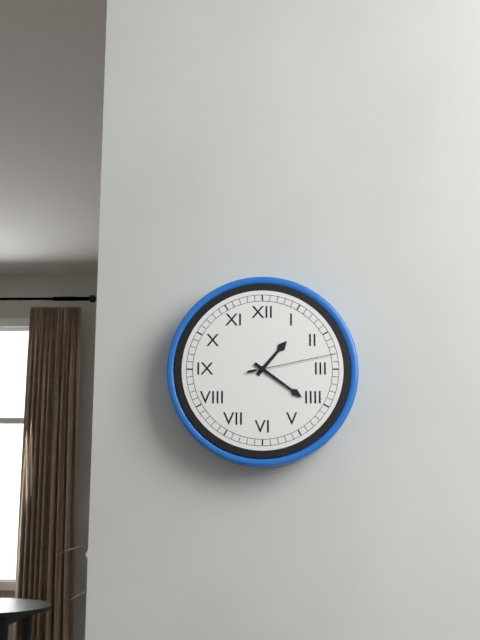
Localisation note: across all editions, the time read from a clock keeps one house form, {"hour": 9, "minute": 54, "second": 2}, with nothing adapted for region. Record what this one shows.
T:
{"hour": 1, "minute": 21, "second": 13}
